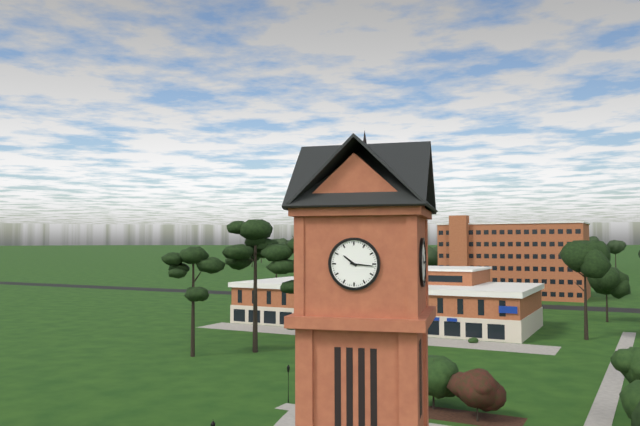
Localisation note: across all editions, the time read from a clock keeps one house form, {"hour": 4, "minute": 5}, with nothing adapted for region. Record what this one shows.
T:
{"hour": 10, "minute": 16}
